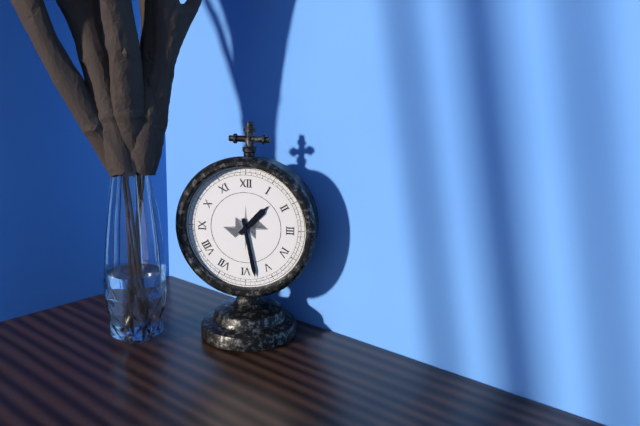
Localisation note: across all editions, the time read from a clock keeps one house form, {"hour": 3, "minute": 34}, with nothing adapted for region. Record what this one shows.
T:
{"hour": 1, "minute": 28}
